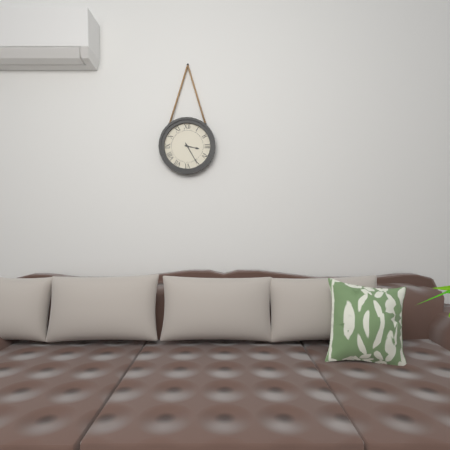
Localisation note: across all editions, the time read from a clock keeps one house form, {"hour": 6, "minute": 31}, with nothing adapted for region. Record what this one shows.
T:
{"hour": 3, "minute": 25}
